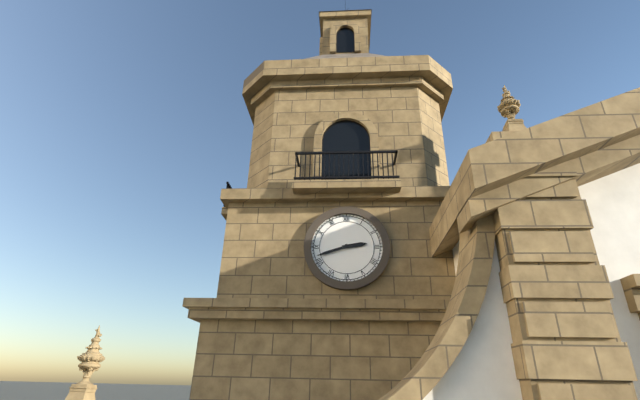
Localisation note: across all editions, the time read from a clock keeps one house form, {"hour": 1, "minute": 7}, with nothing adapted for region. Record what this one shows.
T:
{"hour": 2, "minute": 42}
